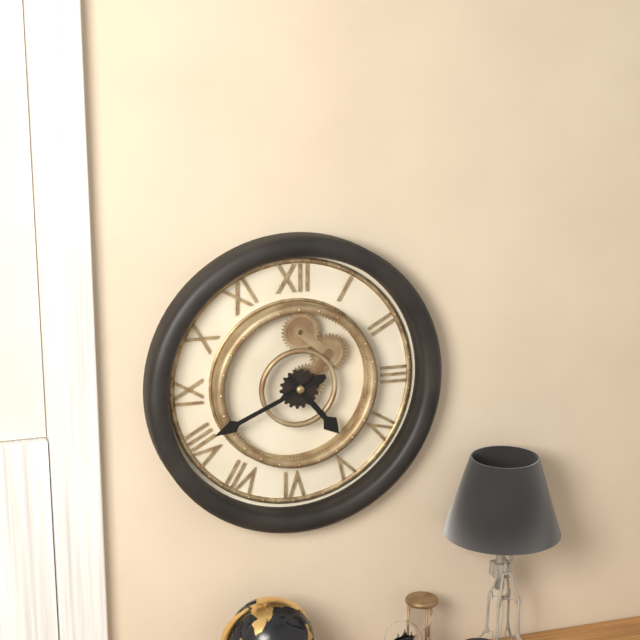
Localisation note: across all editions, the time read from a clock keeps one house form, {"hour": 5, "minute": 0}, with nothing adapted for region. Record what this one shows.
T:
{"hour": 4, "minute": 41}
